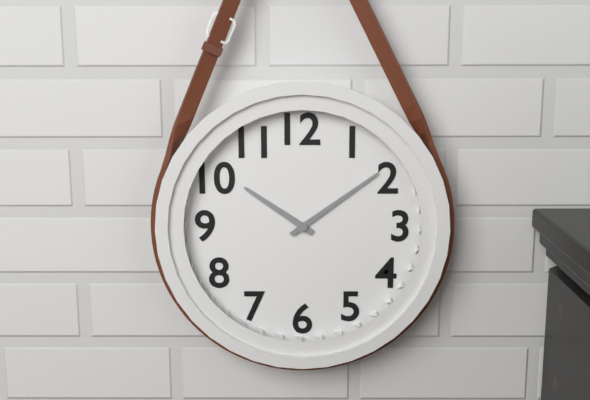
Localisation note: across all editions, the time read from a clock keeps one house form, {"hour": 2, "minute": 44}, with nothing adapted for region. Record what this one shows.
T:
{"hour": 10, "minute": 9}
